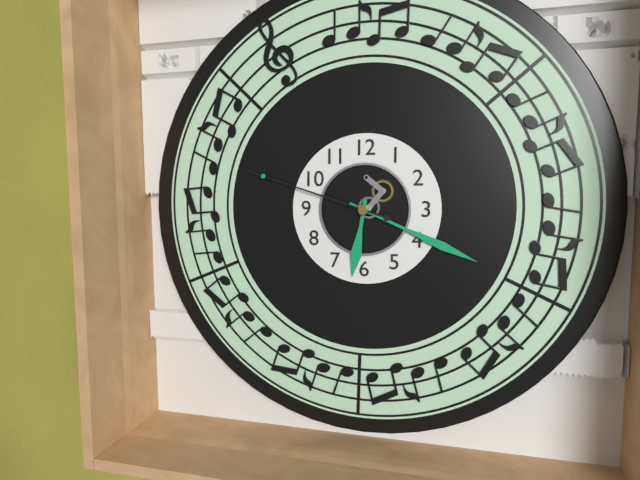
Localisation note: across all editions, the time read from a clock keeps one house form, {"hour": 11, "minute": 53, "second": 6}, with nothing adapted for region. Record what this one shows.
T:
{"hour": 6, "minute": 19, "second": 48}
